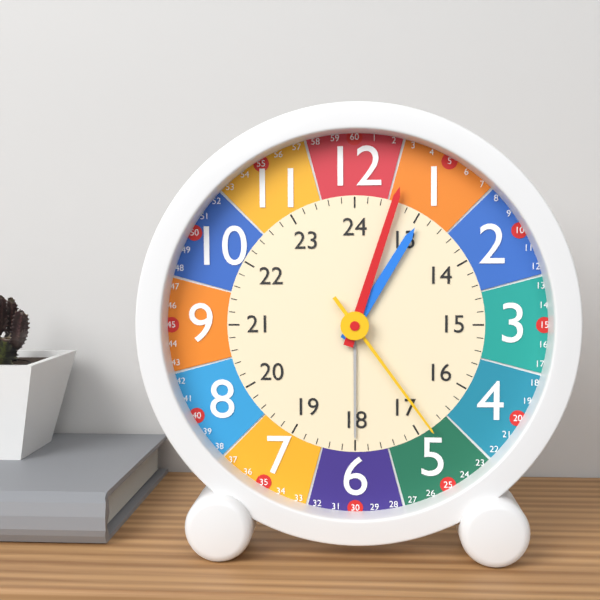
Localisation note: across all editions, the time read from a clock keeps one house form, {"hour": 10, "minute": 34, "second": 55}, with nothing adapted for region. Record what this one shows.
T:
{"hour": 1, "minute": 3, "second": 24}
